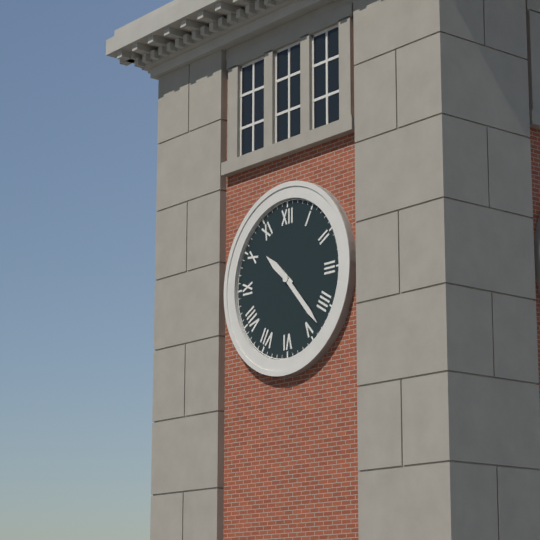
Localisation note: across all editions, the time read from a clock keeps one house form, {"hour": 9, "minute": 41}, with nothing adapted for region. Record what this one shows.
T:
{"hour": 10, "minute": 23}
